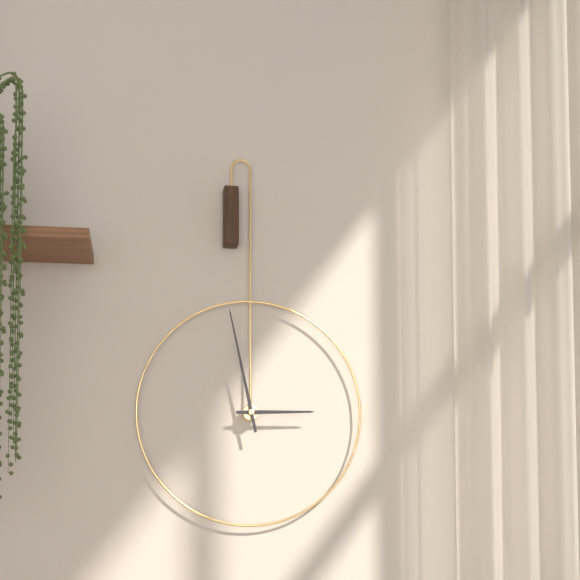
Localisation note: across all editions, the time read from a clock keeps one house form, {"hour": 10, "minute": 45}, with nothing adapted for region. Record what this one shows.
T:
{"hour": 2, "minute": 58}
